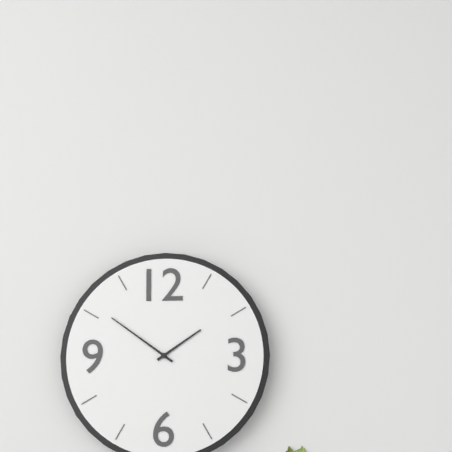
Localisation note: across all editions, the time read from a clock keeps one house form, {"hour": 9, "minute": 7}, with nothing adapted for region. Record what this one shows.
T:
{"hour": 1, "minute": 51}
